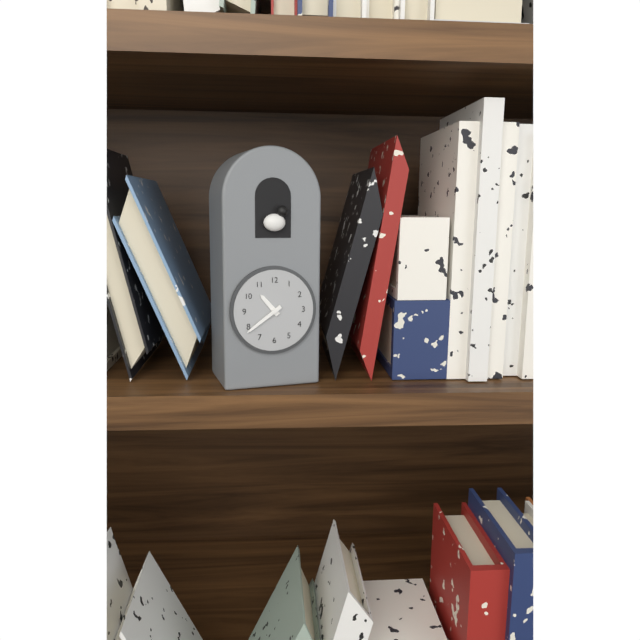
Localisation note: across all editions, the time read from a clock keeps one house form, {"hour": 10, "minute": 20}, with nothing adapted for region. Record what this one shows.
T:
{"hour": 10, "minute": 39}
